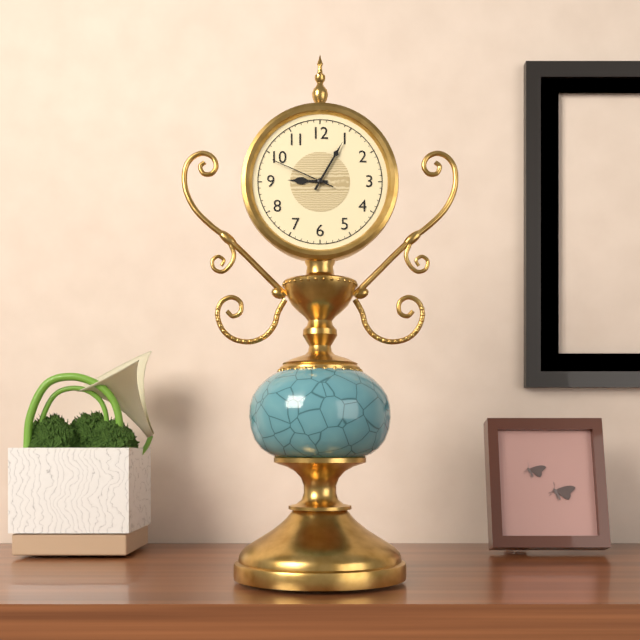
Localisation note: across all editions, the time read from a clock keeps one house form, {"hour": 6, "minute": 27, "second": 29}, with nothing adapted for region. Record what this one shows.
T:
{"hour": 9, "minute": 5, "second": 49}
